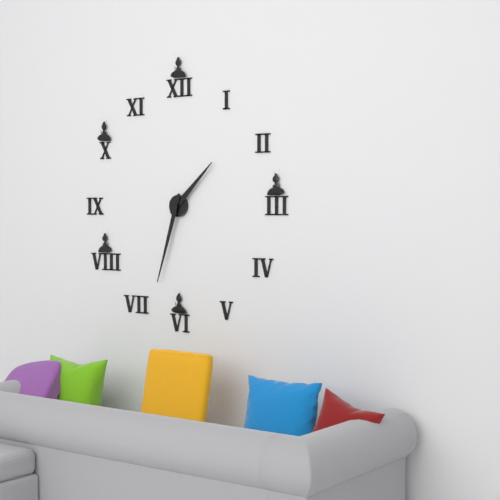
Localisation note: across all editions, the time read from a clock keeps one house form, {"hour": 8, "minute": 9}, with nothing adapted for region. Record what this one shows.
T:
{"hour": 1, "minute": 33}
